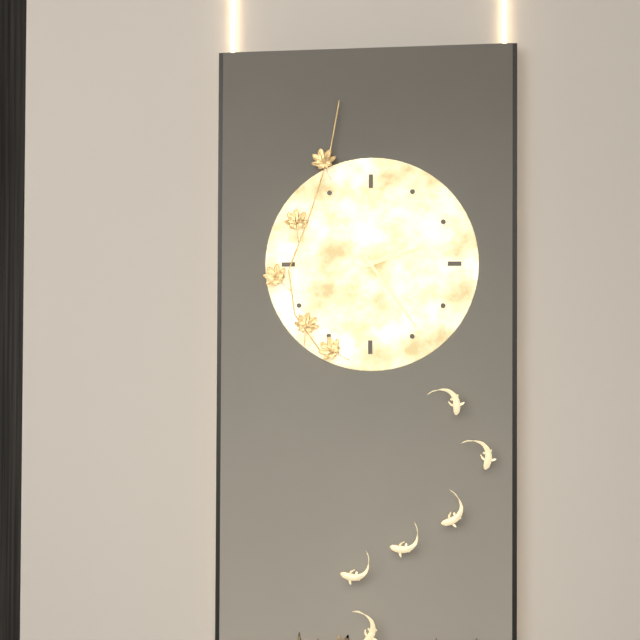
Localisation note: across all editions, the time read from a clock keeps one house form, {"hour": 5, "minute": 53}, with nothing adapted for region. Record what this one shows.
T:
{"hour": 2, "minute": 24}
